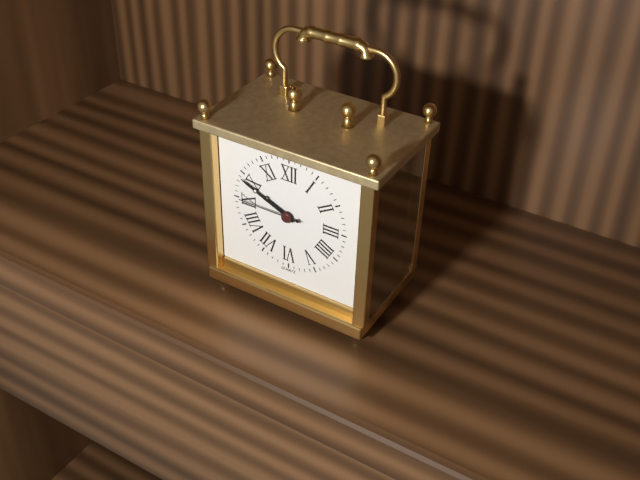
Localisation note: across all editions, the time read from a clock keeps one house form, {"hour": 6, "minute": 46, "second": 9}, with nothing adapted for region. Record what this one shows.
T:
{"hour": 9, "minute": 49, "second": 45}
